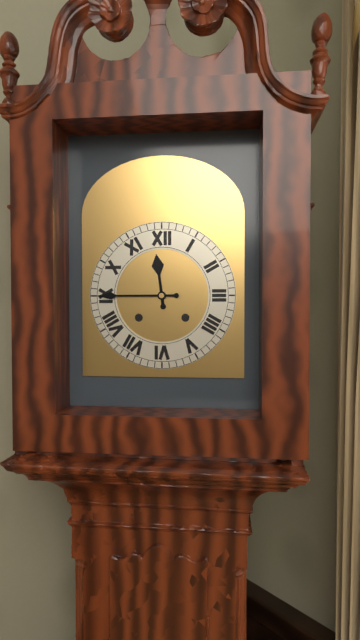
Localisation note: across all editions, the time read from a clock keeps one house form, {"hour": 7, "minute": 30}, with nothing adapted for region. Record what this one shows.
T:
{"hour": 11, "minute": 45}
